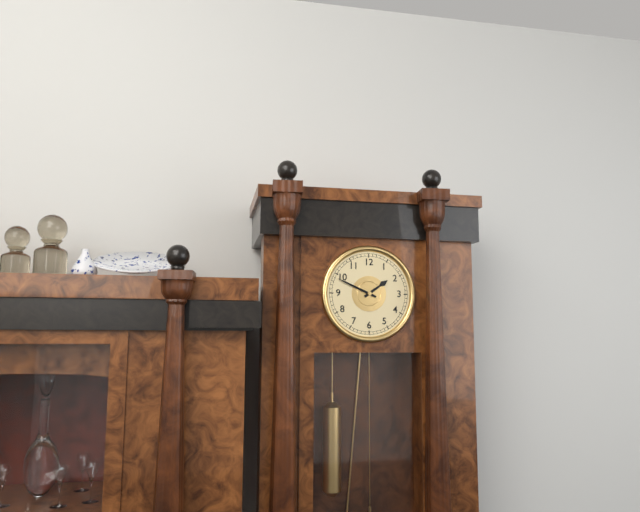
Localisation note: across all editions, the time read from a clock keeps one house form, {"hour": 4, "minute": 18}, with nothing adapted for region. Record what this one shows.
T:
{"hour": 1, "minute": 49}
